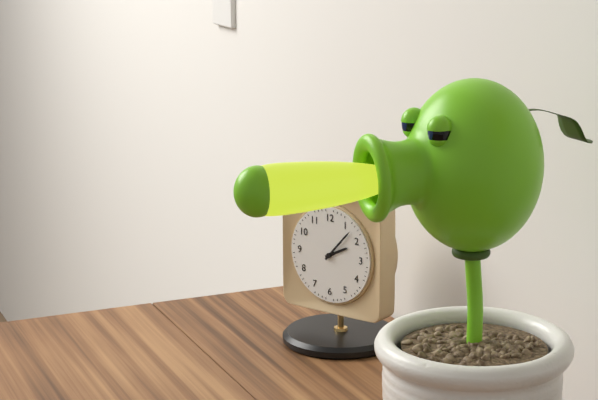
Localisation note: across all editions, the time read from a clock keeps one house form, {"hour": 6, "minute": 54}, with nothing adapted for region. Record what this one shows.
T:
{"hour": 2, "minute": 7}
